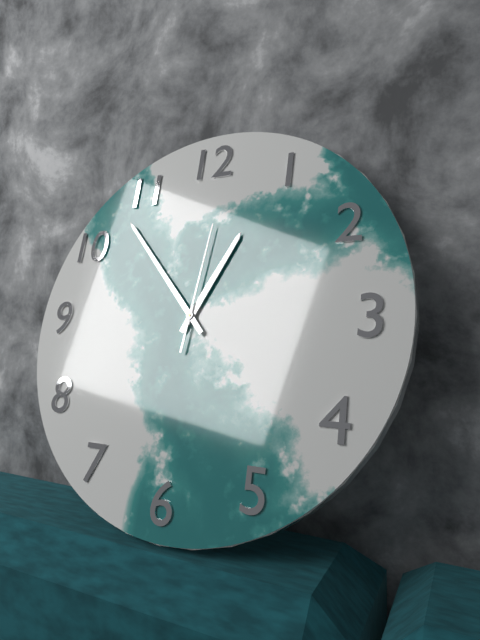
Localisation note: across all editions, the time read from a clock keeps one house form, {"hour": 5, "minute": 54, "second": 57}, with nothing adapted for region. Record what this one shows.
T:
{"hour": 12, "minute": 53, "second": 1}
